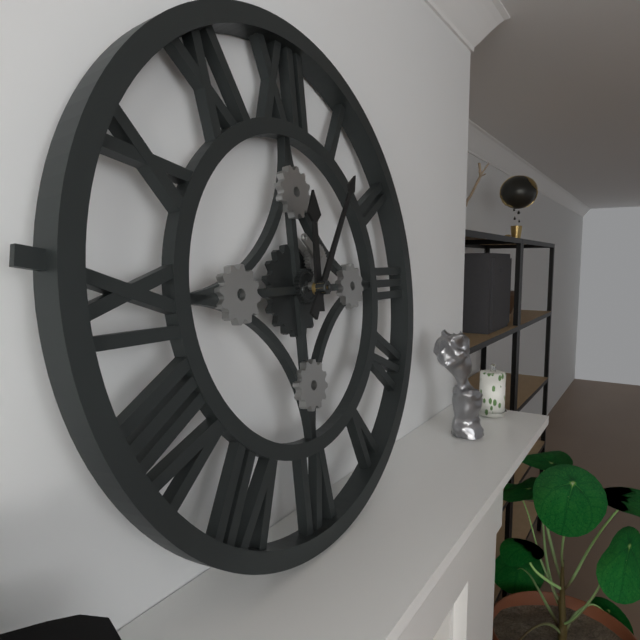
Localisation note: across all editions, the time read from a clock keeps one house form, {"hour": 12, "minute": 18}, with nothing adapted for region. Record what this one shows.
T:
{"hour": 12, "minute": 6}
